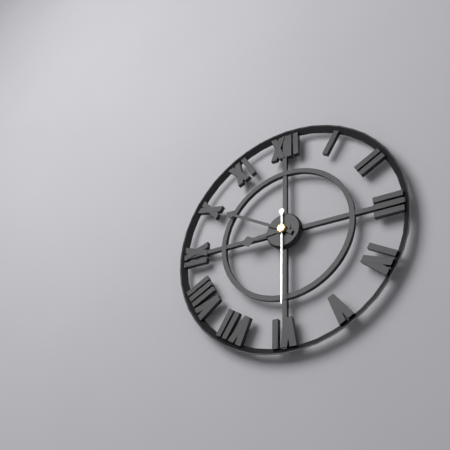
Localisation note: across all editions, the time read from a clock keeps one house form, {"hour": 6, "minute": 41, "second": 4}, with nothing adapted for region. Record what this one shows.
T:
{"hour": 8, "minute": 50, "second": 30}
